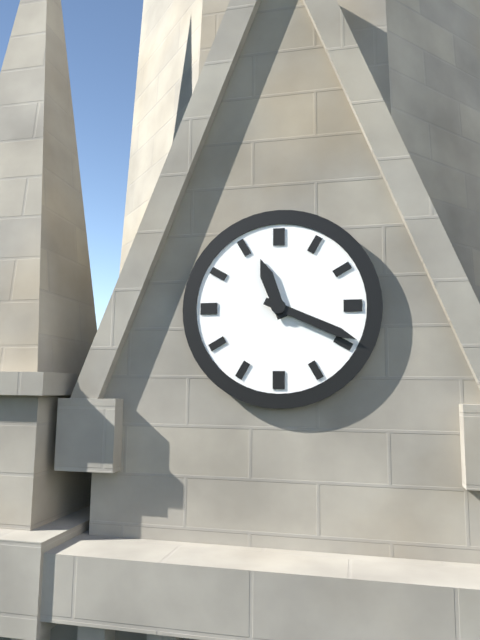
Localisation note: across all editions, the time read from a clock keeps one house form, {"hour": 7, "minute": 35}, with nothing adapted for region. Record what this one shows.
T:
{"hour": 11, "minute": 19}
